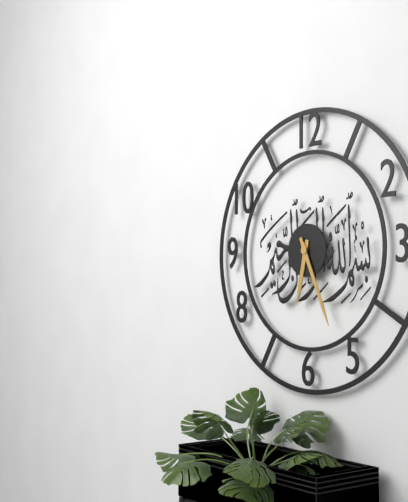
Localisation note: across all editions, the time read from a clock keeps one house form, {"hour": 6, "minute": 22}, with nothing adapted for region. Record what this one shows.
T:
{"hour": 6, "minute": 26}
